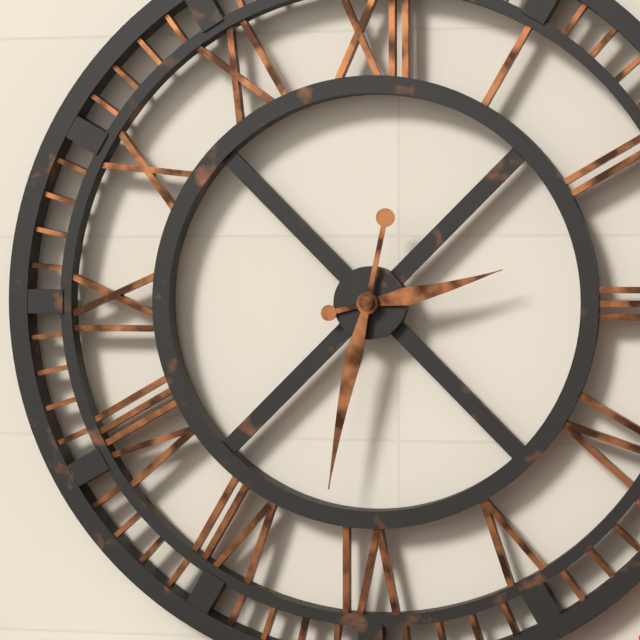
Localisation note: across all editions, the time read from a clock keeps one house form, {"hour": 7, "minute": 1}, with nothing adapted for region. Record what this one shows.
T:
{"hour": 2, "minute": 32}
